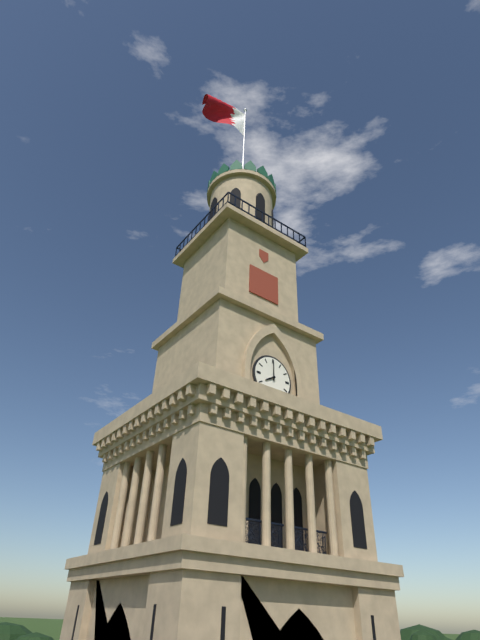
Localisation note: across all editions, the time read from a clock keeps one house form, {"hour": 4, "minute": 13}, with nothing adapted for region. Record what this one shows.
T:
{"hour": 8, "minute": 0}
